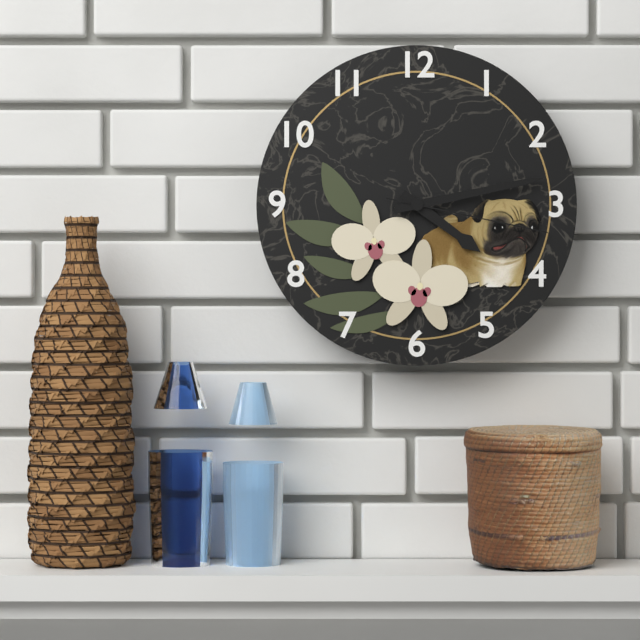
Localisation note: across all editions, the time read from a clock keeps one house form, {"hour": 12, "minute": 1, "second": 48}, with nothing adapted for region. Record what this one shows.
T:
{"hour": 4, "minute": 13, "second": 17}
